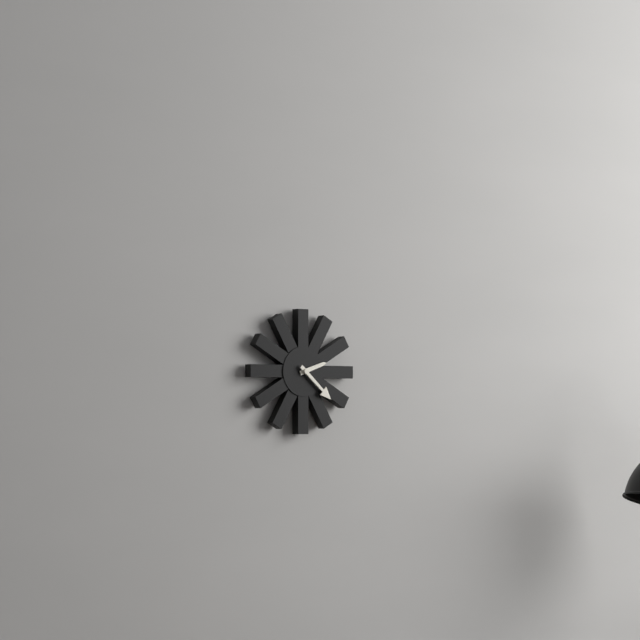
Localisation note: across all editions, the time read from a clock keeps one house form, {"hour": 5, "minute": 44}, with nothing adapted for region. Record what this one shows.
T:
{"hour": 2, "minute": 22}
